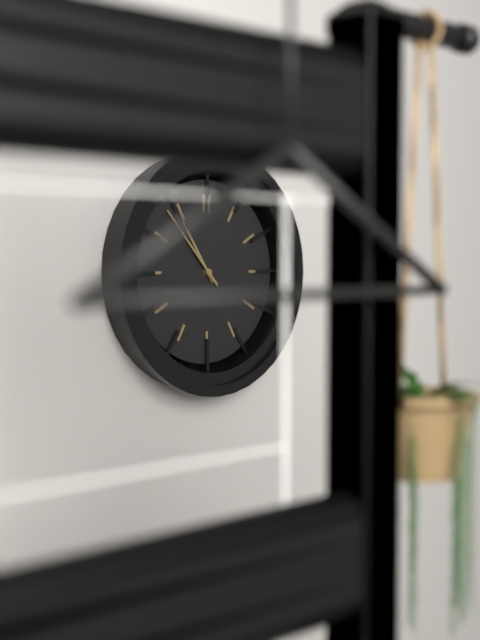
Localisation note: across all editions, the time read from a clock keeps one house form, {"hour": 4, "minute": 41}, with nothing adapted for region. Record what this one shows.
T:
{"hour": 10, "minute": 53}
